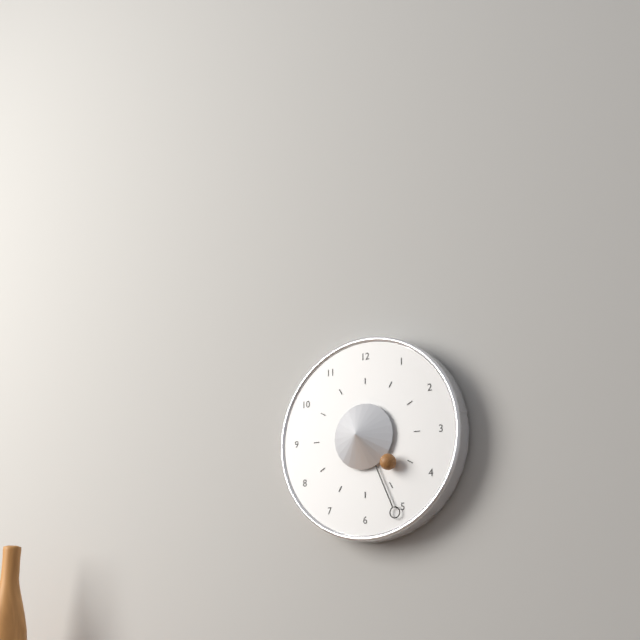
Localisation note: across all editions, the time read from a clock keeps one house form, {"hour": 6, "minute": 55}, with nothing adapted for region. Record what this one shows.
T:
{"hour": 4, "minute": 26}
